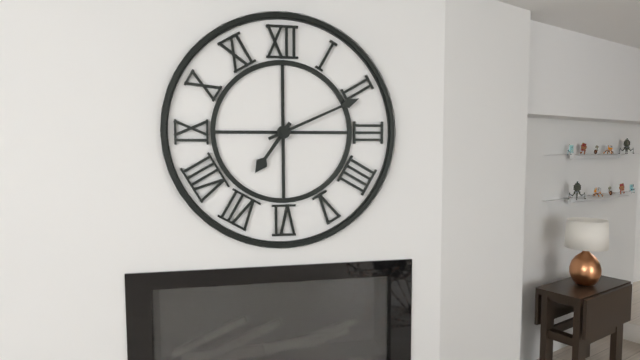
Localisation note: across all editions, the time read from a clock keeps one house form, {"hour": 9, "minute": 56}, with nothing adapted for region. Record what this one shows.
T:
{"hour": 7, "minute": 11}
